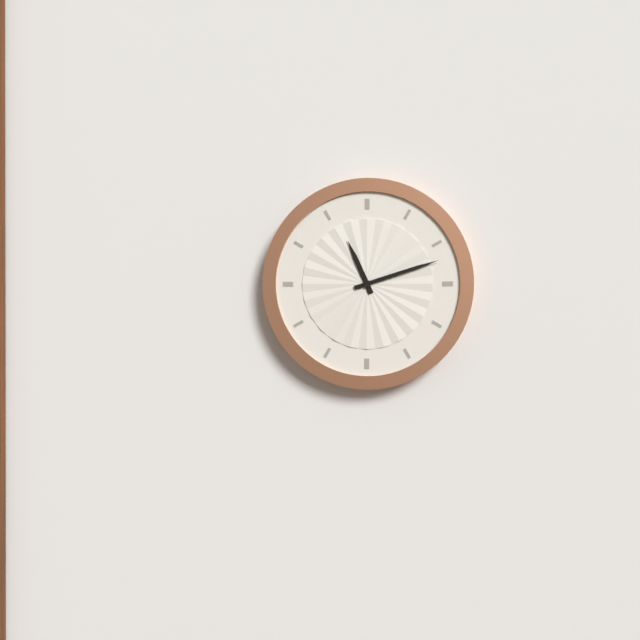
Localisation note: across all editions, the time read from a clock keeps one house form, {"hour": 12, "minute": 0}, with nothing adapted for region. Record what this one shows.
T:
{"hour": 11, "minute": 12}
